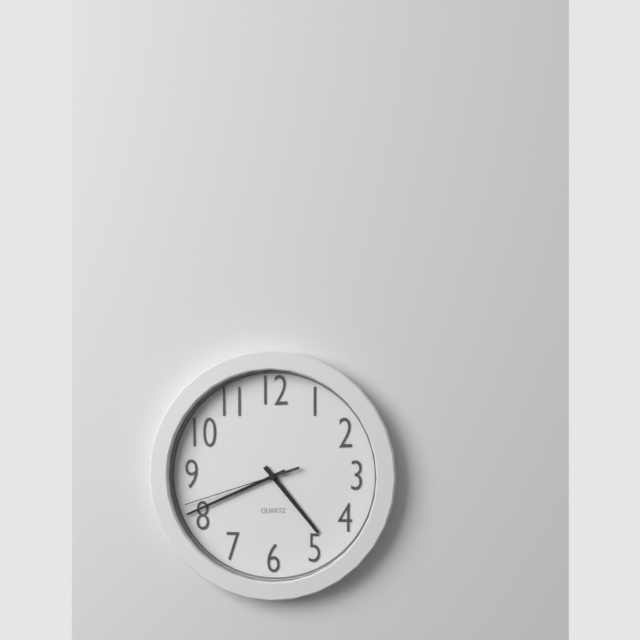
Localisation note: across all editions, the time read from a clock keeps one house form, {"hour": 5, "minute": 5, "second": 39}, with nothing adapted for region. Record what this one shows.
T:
{"hour": 4, "minute": 41, "second": 42}
